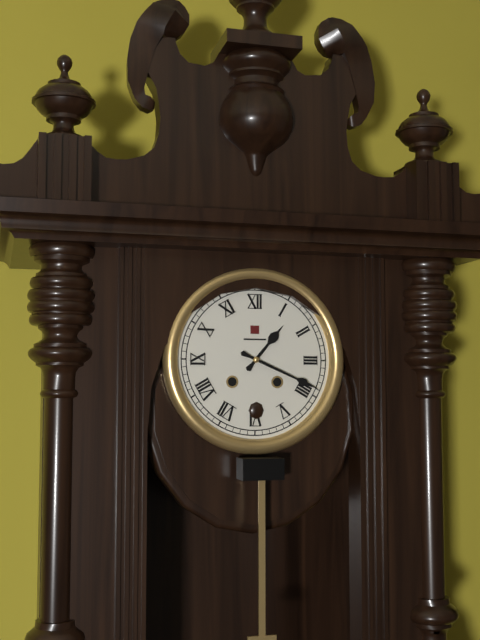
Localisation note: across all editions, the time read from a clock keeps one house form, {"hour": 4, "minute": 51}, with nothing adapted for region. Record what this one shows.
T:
{"hour": 1, "minute": 19}
